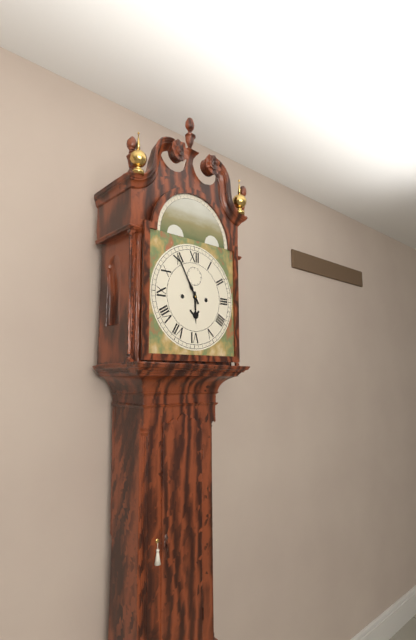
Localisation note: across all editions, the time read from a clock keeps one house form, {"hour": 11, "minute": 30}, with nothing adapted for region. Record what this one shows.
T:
{"hour": 5, "minute": 55}
